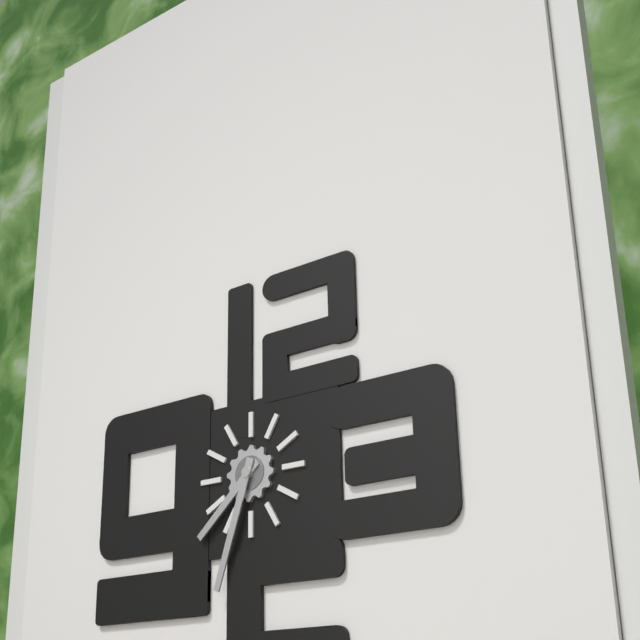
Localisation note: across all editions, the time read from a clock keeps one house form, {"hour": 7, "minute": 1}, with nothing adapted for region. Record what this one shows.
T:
{"hour": 7, "minute": 33}
